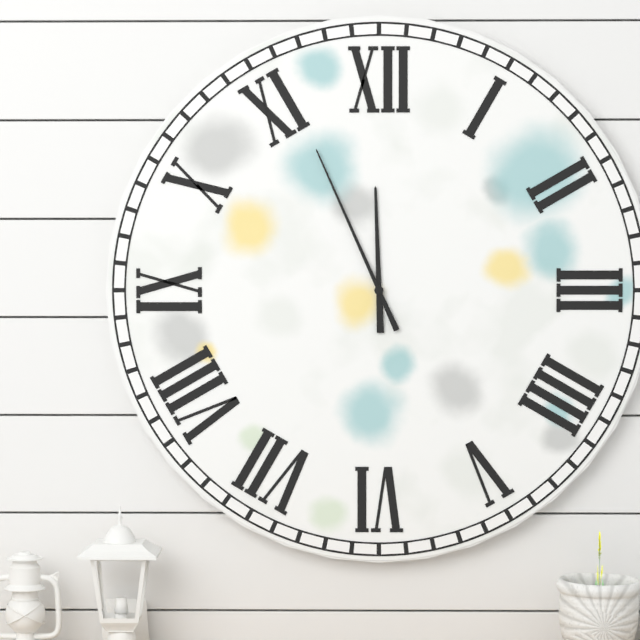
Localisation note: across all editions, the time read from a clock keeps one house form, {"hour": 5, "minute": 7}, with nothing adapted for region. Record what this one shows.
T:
{"hour": 11, "minute": 56}
